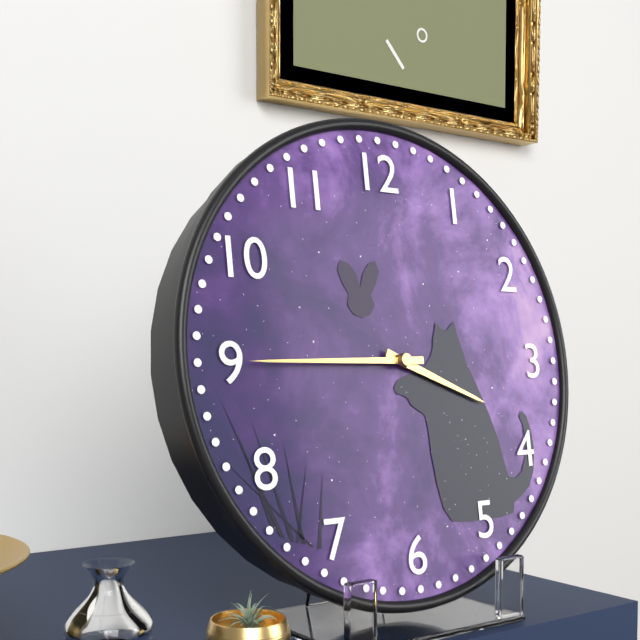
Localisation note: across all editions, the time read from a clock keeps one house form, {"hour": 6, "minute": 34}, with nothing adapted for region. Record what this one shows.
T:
{"hour": 3, "minute": 45}
